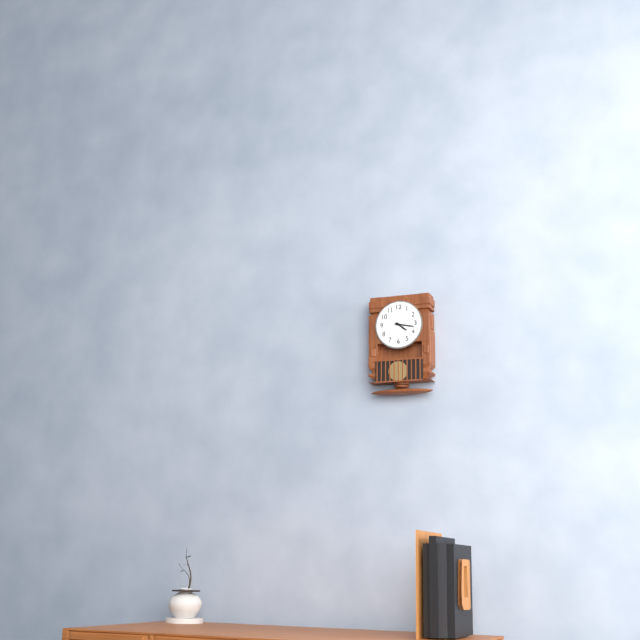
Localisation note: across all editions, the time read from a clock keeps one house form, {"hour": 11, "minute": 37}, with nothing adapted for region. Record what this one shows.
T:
{"hour": 4, "minute": 17}
